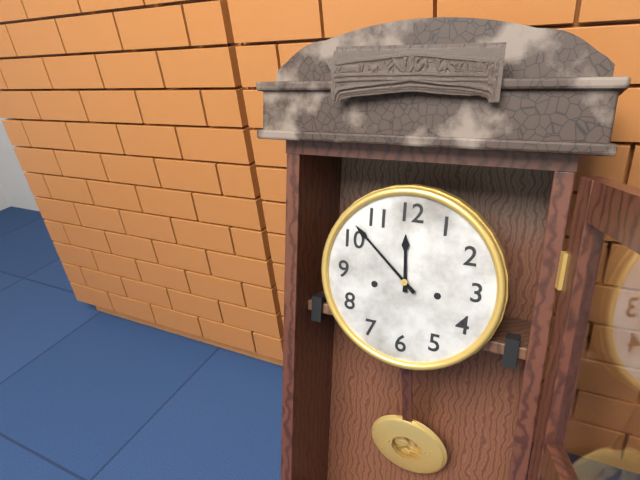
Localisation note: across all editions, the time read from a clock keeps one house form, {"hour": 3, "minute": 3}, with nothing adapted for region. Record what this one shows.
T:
{"hour": 11, "minute": 52}
